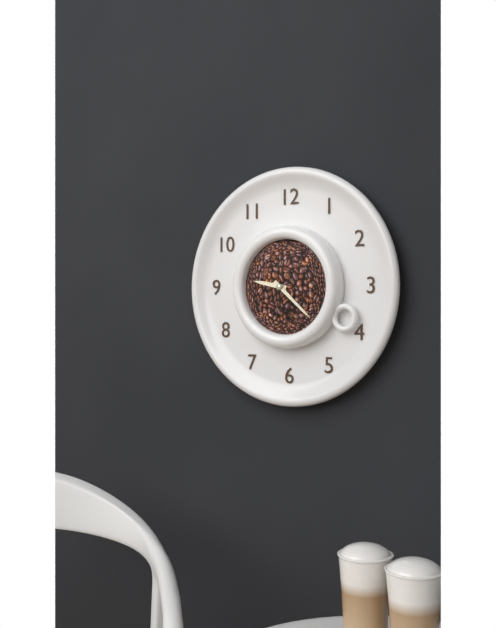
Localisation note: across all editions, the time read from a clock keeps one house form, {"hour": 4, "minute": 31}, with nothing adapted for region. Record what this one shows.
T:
{"hour": 9, "minute": 22}
